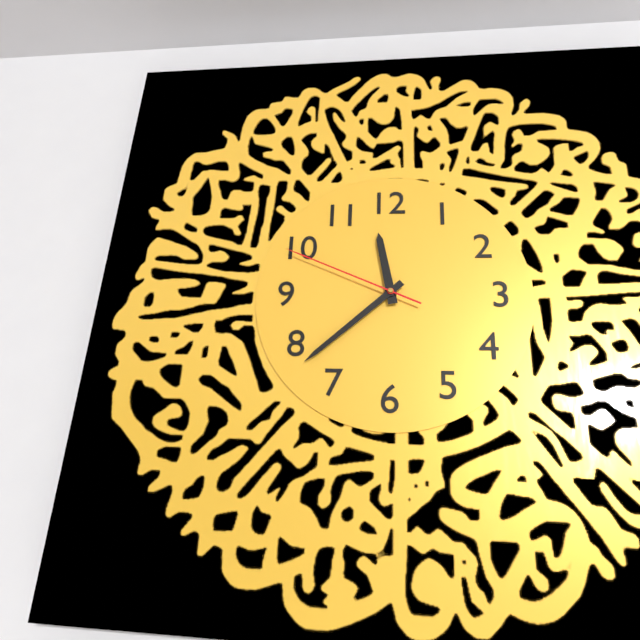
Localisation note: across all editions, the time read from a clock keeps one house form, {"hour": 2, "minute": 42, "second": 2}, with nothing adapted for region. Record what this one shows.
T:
{"hour": 11, "minute": 38, "second": 49}
